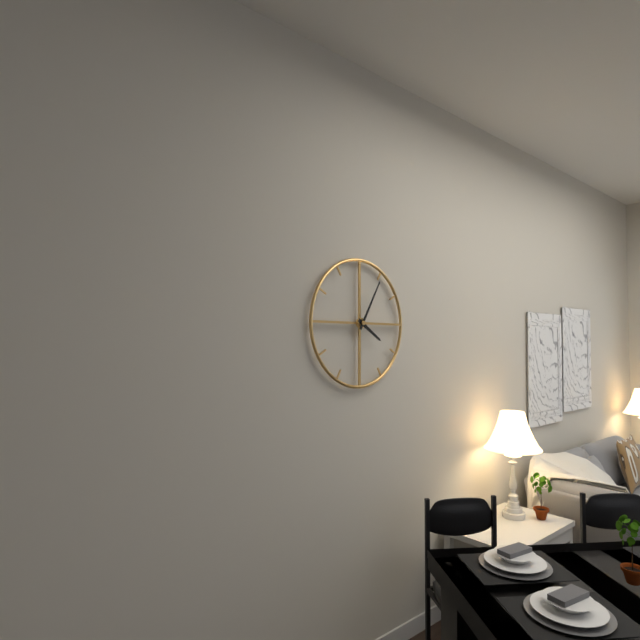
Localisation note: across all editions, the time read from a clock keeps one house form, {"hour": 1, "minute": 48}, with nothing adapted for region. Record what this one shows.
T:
{"hour": 4, "minute": 5}
